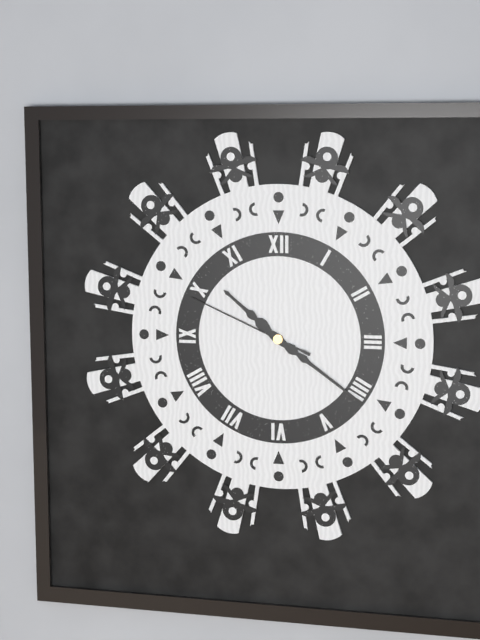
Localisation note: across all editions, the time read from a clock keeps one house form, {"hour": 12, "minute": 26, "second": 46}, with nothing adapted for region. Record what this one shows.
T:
{"hour": 10, "minute": 21, "second": 49}
